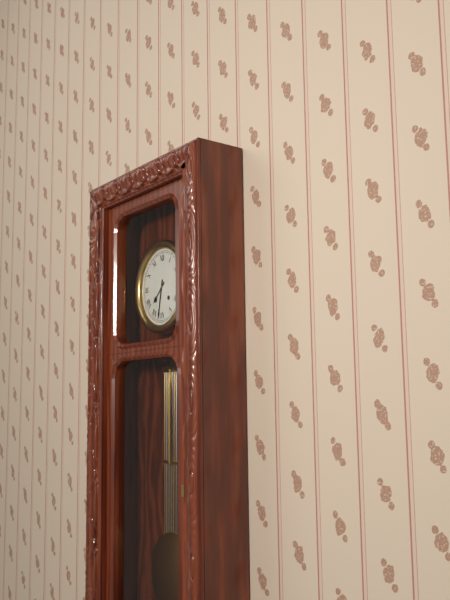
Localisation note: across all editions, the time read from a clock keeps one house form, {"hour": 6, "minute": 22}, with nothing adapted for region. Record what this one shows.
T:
{"hour": 7, "minute": 32}
